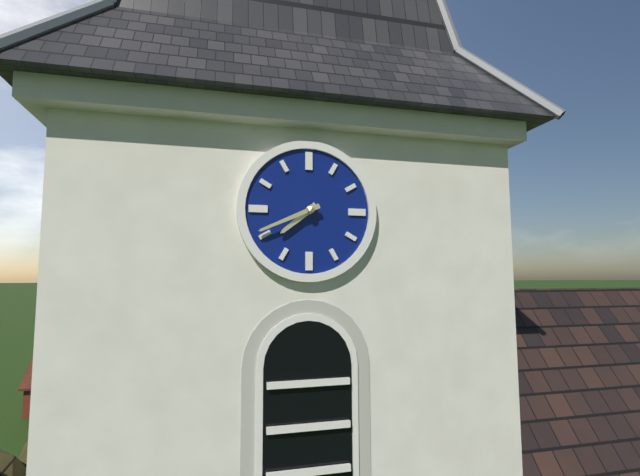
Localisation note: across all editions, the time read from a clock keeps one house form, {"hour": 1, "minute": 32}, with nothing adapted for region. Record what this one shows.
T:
{"hour": 7, "minute": 41}
